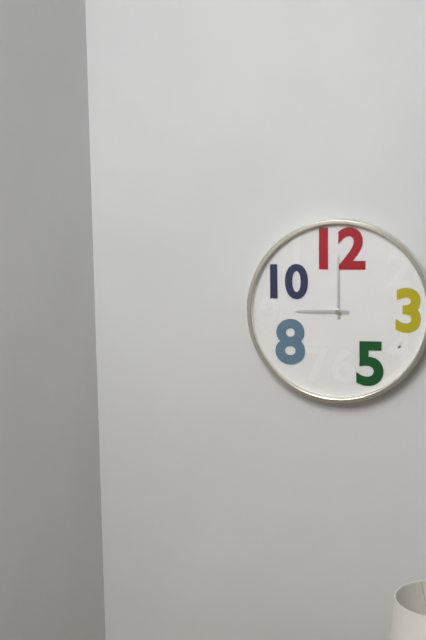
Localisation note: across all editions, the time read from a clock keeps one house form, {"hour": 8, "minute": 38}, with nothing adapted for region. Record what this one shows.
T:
{"hour": 9, "minute": 0}
